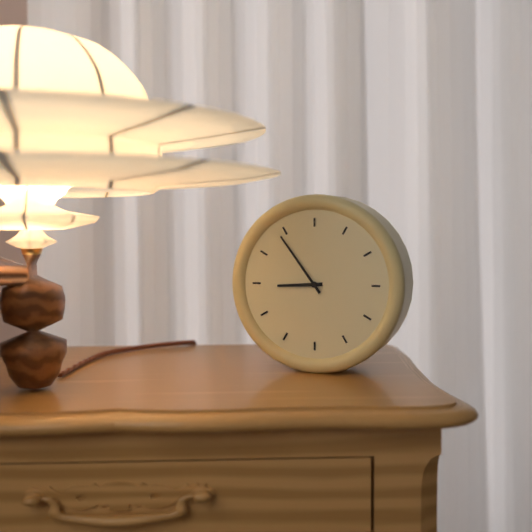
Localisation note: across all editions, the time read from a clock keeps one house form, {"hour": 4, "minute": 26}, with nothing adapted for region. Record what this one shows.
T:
{"hour": 8, "minute": 54}
